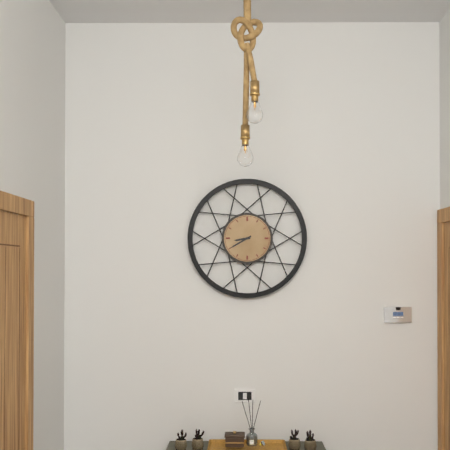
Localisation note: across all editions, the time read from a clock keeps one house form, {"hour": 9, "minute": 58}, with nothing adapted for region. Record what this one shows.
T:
{"hour": 8, "minute": 40}
